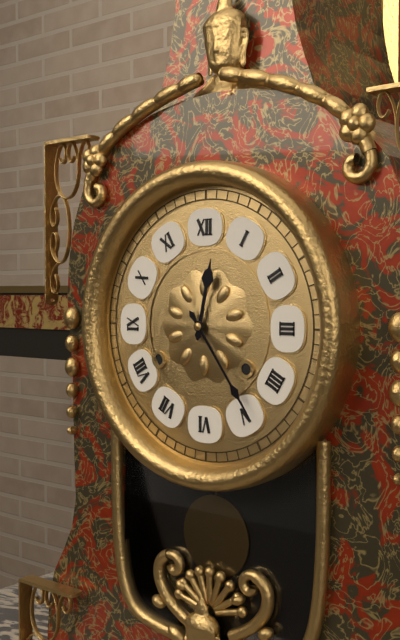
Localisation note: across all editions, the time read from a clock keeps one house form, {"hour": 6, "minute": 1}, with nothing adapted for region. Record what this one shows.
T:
{"hour": 12, "minute": 24}
